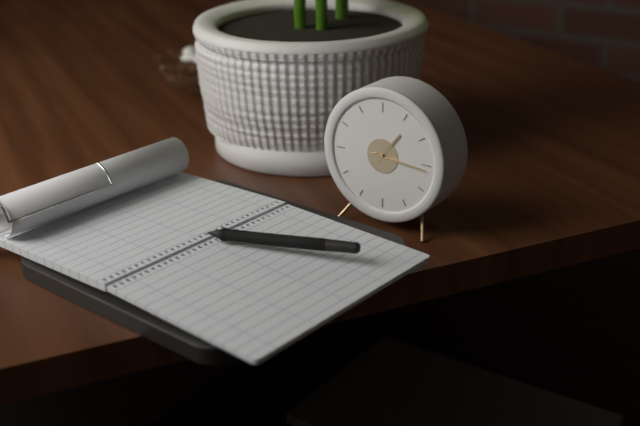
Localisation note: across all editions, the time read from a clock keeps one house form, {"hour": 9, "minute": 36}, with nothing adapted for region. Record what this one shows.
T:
{"hour": 1, "minute": 16}
